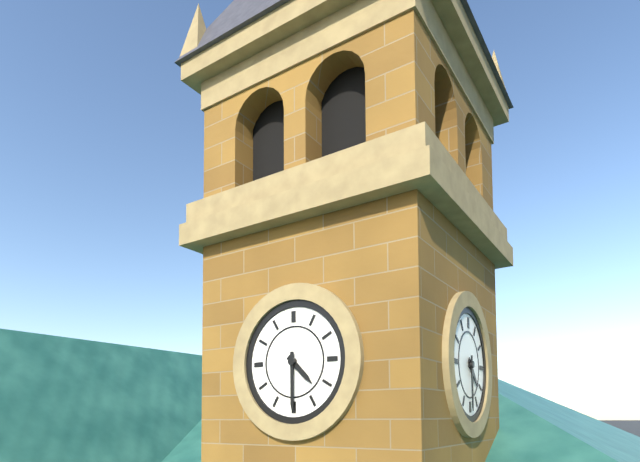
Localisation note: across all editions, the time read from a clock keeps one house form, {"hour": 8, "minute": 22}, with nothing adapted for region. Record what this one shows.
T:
{"hour": 4, "minute": 30}
